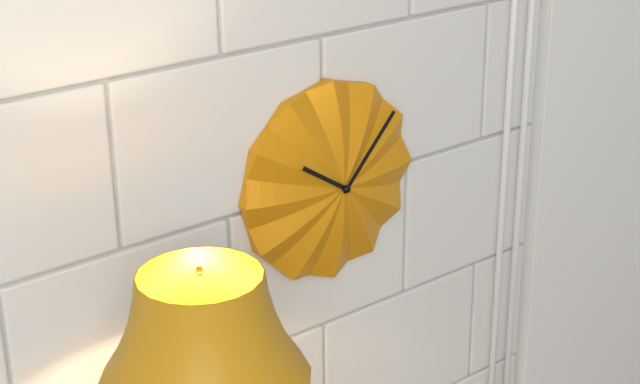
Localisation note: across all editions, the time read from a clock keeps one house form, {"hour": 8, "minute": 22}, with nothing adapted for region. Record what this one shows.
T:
{"hour": 10, "minute": 7}
